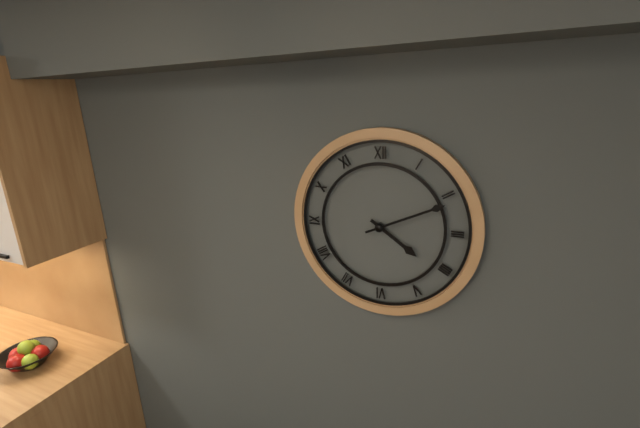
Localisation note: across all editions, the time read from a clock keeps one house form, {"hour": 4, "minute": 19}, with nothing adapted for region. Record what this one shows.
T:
{"hour": 4, "minute": 11}
